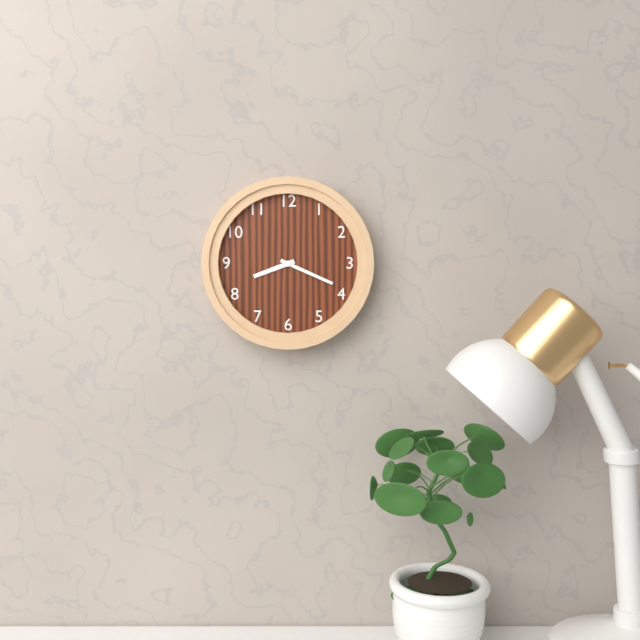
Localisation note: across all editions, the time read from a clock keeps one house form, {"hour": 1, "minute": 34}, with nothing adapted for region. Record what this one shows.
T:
{"hour": 8, "minute": 19}
